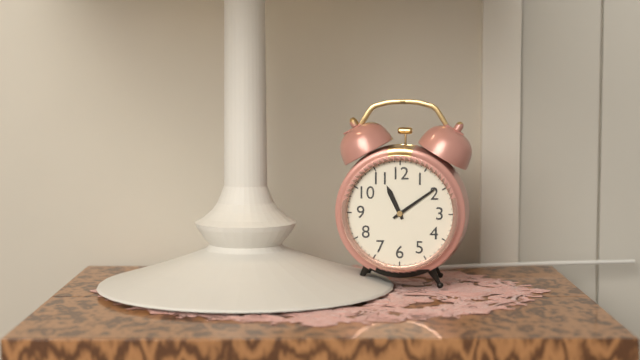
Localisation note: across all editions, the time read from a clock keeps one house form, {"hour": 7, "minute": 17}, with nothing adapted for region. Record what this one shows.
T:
{"hour": 11, "minute": 9}
